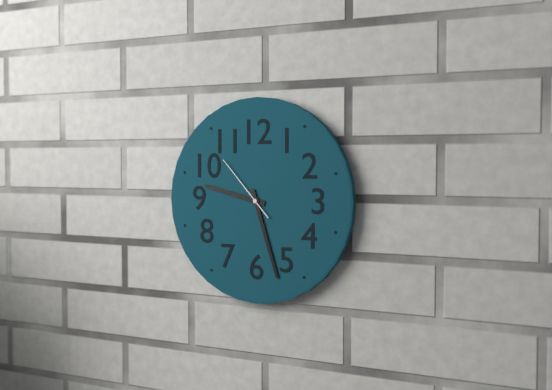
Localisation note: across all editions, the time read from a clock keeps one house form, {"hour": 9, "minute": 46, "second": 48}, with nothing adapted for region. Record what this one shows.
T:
{"hour": 9, "minute": 27, "second": 53}
